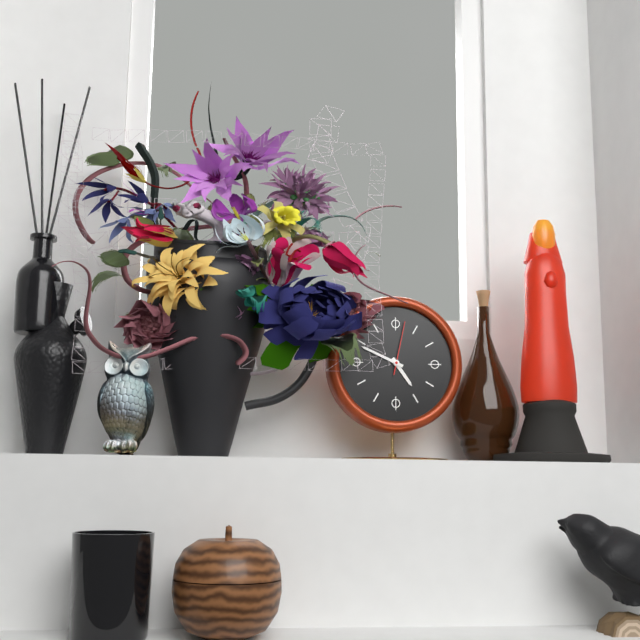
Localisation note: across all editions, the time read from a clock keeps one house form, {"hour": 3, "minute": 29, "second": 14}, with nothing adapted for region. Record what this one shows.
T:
{"hour": 4, "minute": 49, "second": 2}
